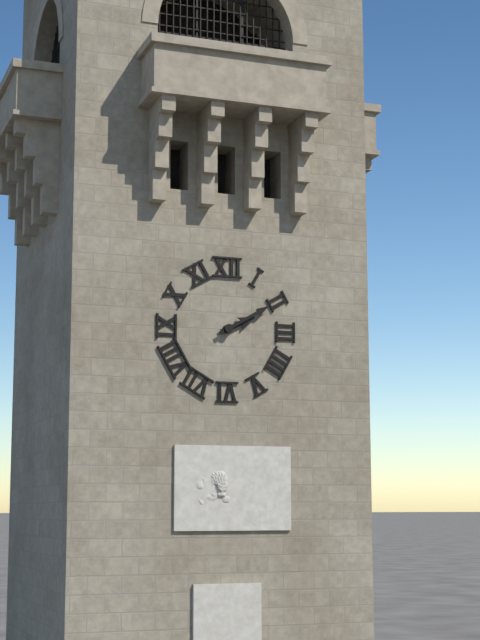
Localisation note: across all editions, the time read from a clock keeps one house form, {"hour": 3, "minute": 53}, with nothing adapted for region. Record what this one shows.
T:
{"hour": 2, "minute": 10}
